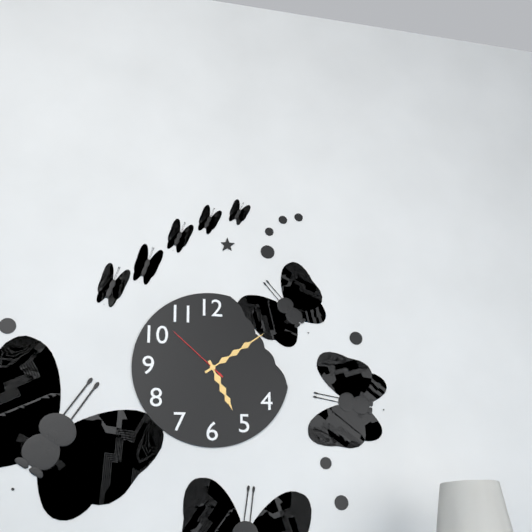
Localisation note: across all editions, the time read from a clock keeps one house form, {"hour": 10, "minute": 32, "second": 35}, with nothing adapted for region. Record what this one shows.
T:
{"hour": 5, "minute": 9, "second": 52}
